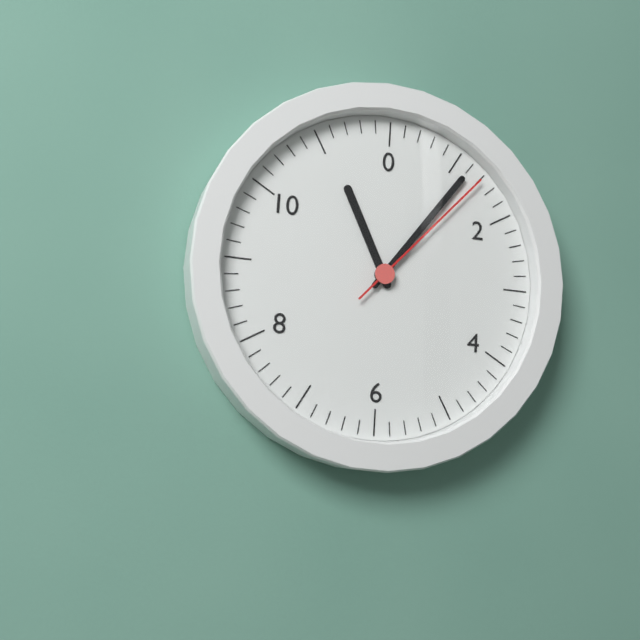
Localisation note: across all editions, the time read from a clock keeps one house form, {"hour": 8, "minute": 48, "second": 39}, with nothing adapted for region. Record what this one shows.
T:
{"hour": 11, "minute": 6, "second": 7}
